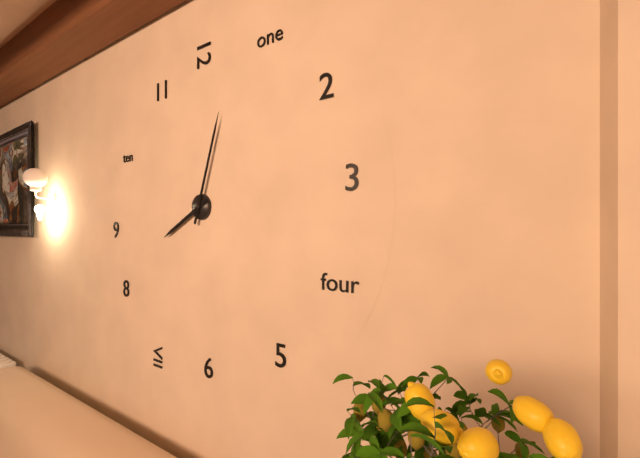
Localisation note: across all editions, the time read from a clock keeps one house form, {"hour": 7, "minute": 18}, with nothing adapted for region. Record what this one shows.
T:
{"hour": 8, "minute": 3}
